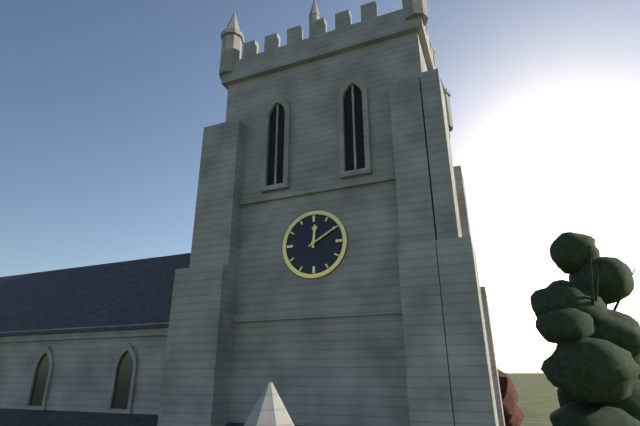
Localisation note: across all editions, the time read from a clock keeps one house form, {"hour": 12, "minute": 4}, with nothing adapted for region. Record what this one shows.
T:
{"hour": 12, "minute": 10}
